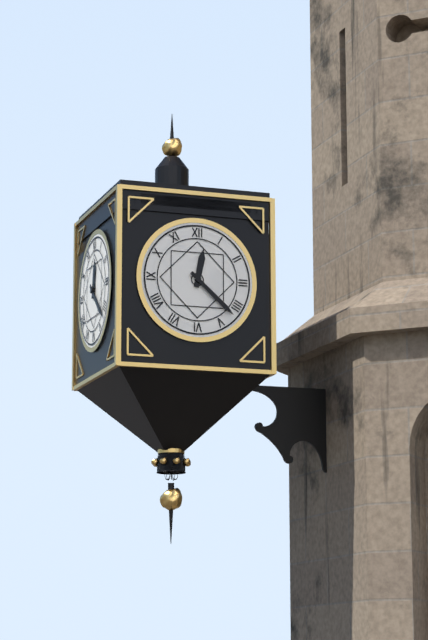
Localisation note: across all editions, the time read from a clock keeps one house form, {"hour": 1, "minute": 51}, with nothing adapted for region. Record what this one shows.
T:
{"hour": 12, "minute": 22}
